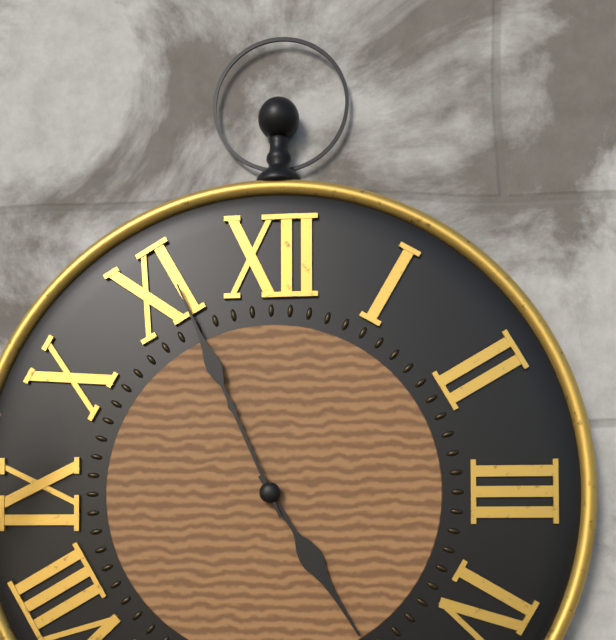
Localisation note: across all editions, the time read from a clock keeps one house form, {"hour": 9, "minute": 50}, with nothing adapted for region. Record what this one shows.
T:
{"hour": 4, "minute": 56}
